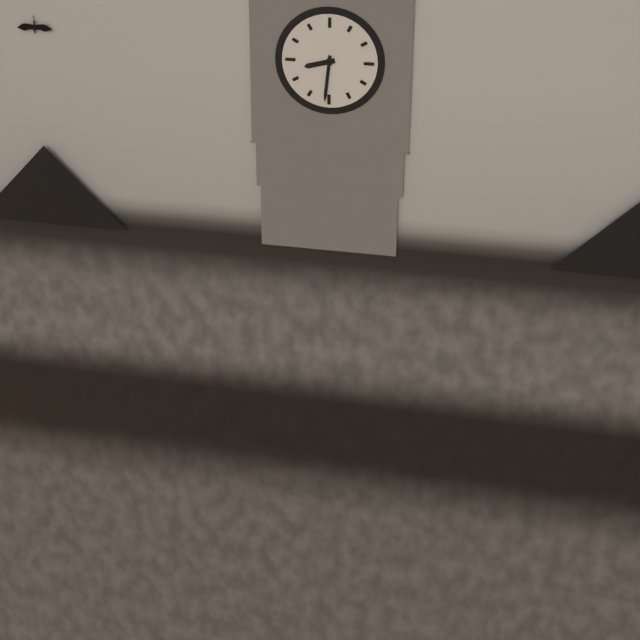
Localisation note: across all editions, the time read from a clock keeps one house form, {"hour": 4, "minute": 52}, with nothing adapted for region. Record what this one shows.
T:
{"hour": 8, "minute": 31}
